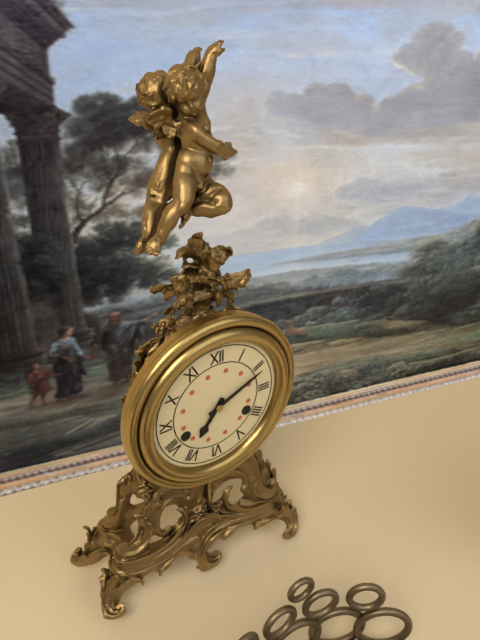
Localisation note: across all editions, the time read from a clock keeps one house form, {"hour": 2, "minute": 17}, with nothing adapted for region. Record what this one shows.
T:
{"hour": 7, "minute": 11}
